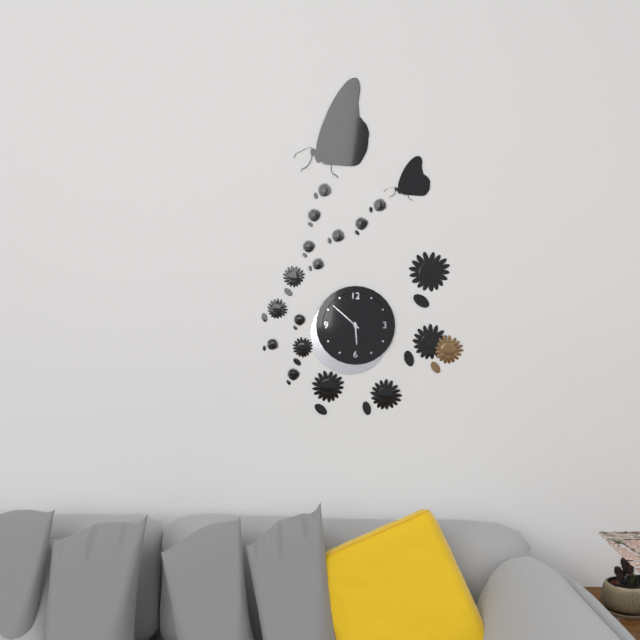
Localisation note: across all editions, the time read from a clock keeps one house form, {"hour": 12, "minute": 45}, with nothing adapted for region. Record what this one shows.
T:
{"hour": 5, "minute": 52}
